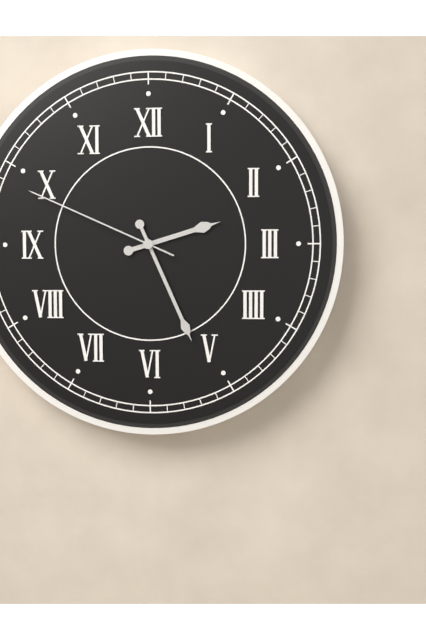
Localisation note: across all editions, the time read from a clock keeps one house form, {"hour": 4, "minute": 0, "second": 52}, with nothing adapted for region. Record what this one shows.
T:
{"hour": 2, "minute": 26, "second": 49}
